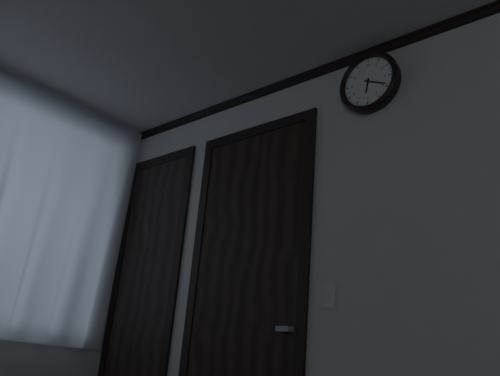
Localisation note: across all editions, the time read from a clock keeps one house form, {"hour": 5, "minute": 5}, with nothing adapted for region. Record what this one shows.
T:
{"hour": 6, "minute": 19}
